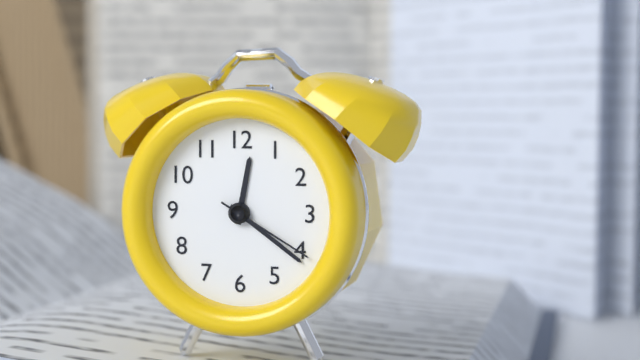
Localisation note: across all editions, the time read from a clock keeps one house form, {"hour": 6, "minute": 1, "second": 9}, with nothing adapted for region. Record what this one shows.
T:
{"hour": 12, "minute": 21, "second": 20}
